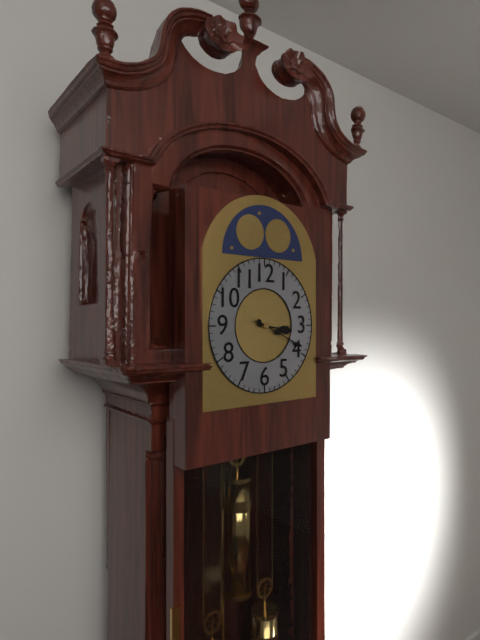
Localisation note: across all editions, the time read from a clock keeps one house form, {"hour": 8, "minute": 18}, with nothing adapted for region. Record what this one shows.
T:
{"hour": 3, "minute": 19}
